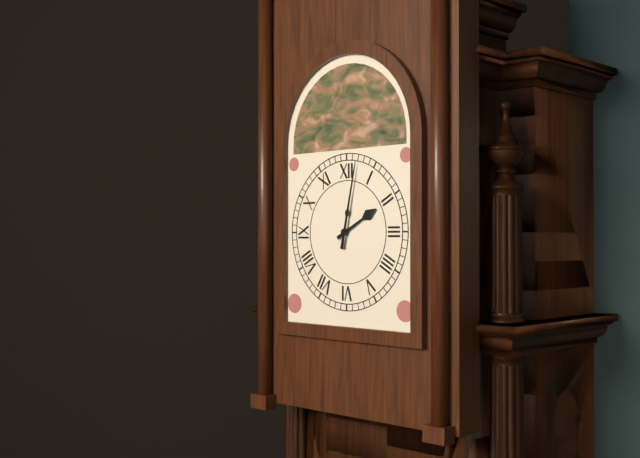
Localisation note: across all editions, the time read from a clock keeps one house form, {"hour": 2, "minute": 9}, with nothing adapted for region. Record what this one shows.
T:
{"hour": 2, "minute": 2}
